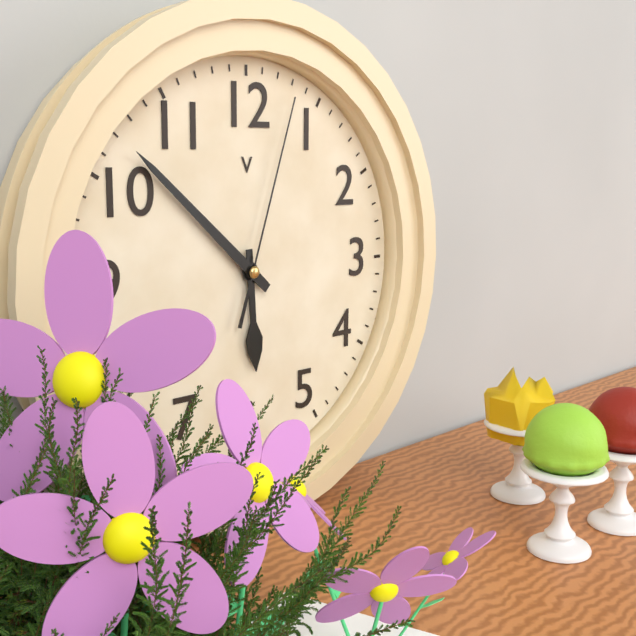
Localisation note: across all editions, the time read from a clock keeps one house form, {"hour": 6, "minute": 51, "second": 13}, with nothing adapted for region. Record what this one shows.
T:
{"hour": 5, "minute": 52, "second": 3}
